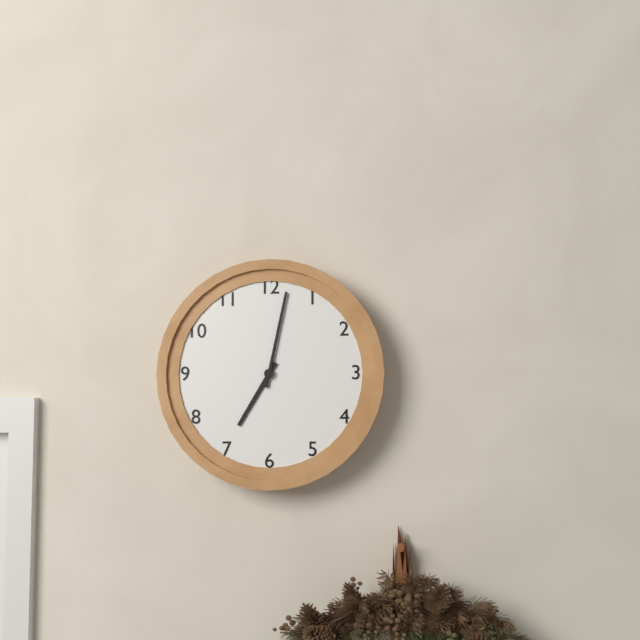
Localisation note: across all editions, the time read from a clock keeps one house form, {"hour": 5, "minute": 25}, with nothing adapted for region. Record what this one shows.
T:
{"hour": 7, "minute": 2}
